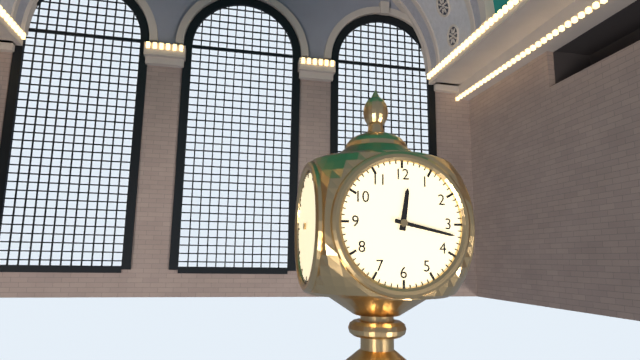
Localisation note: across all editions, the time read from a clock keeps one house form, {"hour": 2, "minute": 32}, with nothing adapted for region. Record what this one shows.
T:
{"hour": 12, "minute": 17}
